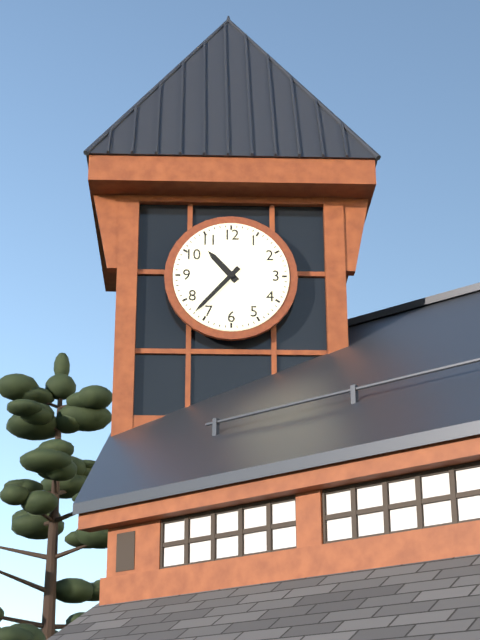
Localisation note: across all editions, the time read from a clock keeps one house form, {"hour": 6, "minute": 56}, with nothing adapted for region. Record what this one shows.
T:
{"hour": 10, "minute": 37}
